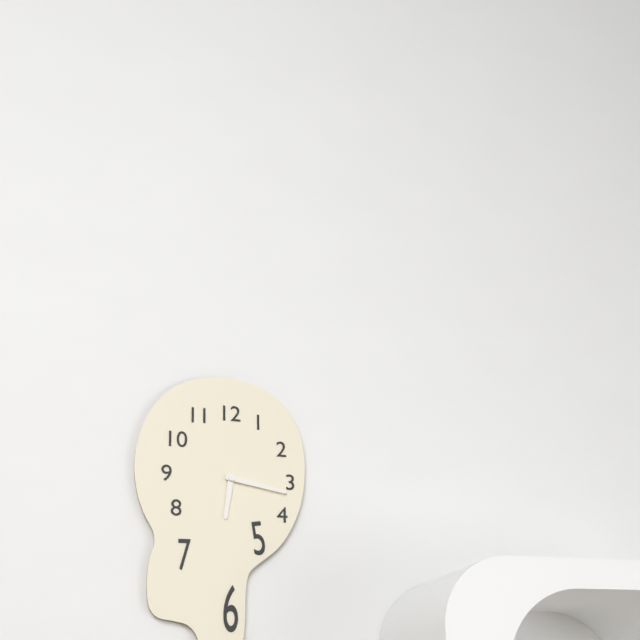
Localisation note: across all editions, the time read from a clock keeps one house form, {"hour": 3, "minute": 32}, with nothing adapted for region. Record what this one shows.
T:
{"hour": 6, "minute": 17}
